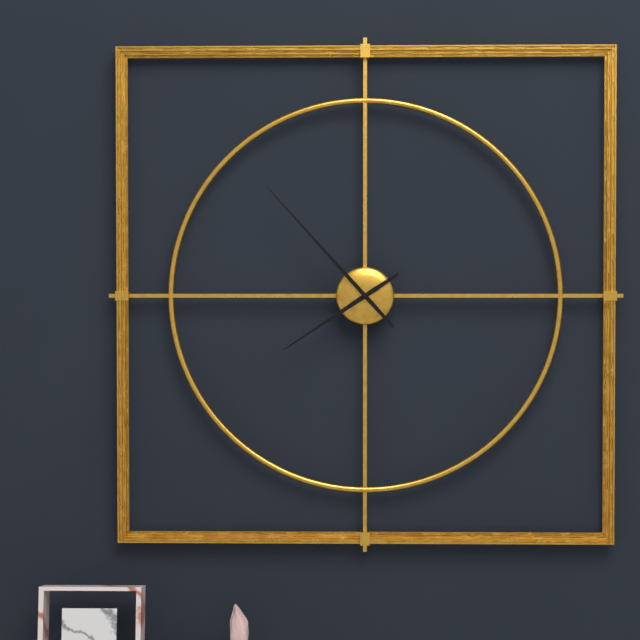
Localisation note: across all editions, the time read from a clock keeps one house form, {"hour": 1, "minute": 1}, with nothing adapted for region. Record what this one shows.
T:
{"hour": 7, "minute": 53}
